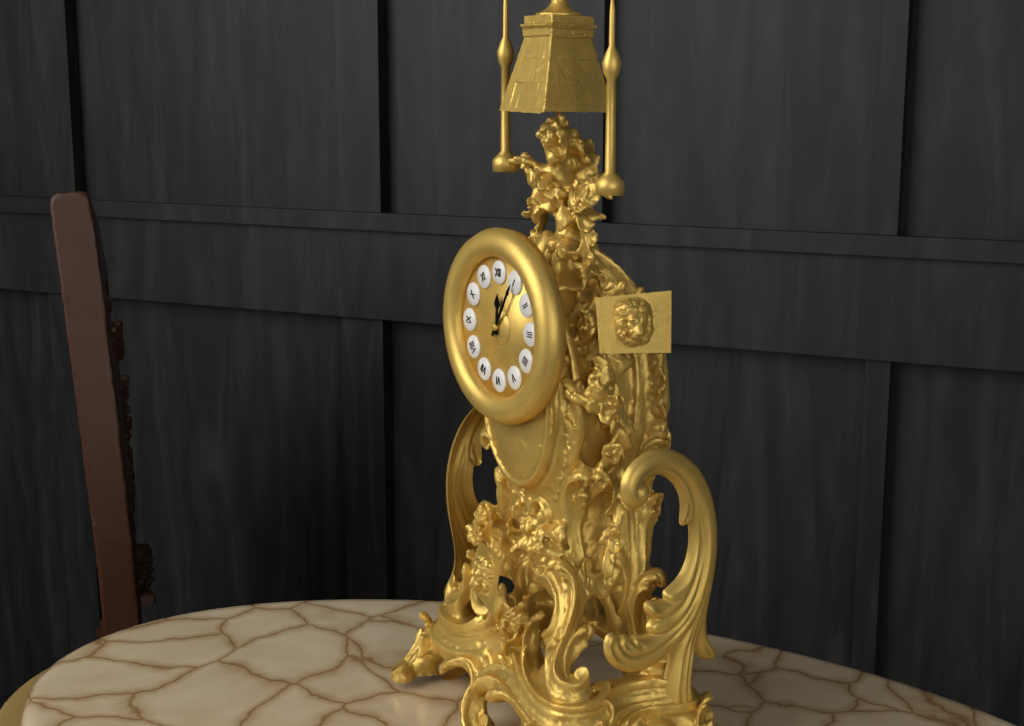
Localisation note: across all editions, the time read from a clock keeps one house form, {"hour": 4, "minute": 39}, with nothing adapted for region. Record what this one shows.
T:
{"hour": 12, "minute": 5}
